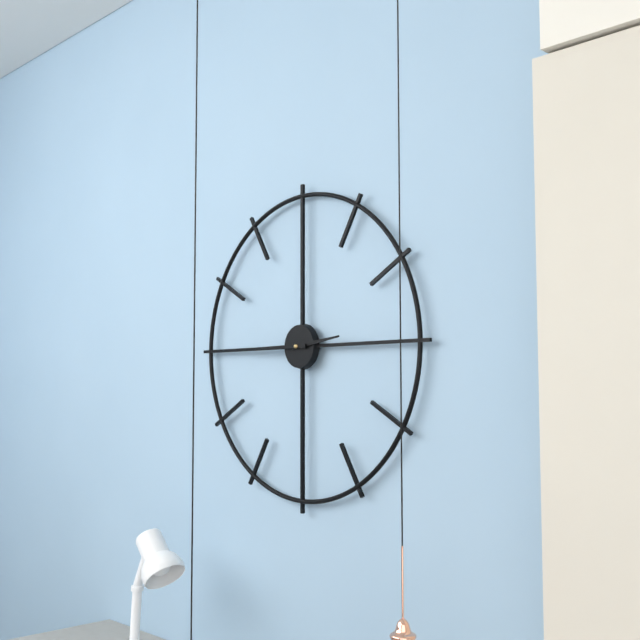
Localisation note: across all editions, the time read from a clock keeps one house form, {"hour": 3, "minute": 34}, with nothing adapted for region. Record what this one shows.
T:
{"hour": 2, "minute": 45}
